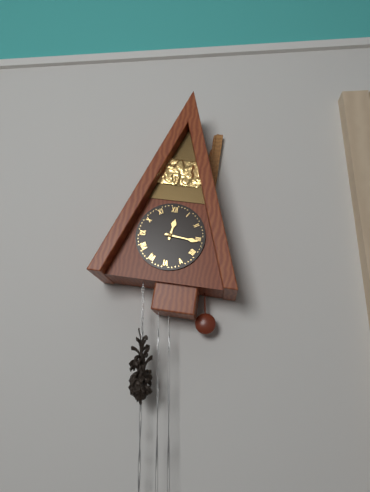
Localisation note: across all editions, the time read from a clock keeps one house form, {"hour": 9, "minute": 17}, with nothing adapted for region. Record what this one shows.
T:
{"hour": 12, "minute": 16}
